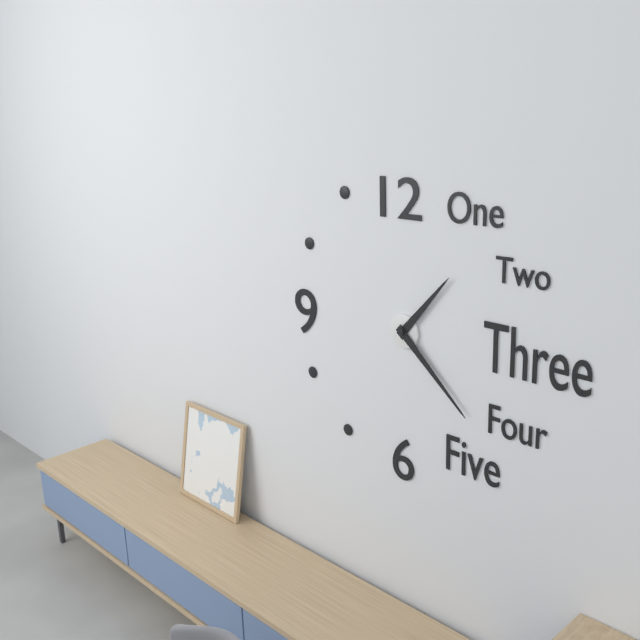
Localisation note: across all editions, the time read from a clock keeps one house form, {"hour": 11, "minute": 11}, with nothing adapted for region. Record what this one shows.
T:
{"hour": 1, "minute": 22}
